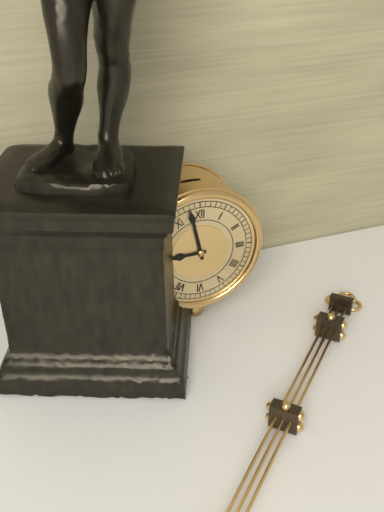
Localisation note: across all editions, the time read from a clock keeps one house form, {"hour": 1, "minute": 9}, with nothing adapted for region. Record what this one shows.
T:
{"hour": 8, "minute": 58}
